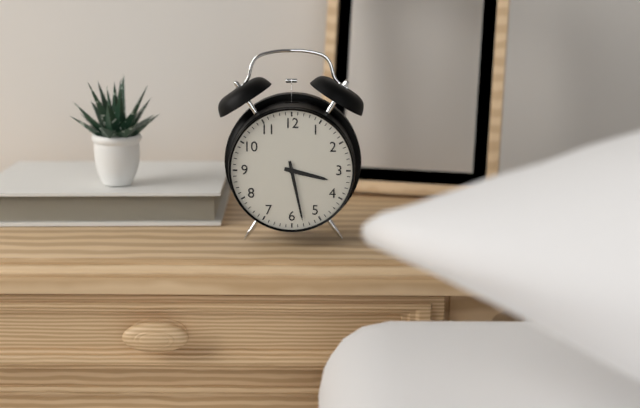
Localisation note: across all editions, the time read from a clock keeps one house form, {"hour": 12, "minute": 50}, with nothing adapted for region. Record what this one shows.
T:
{"hour": 3, "minute": 28}
